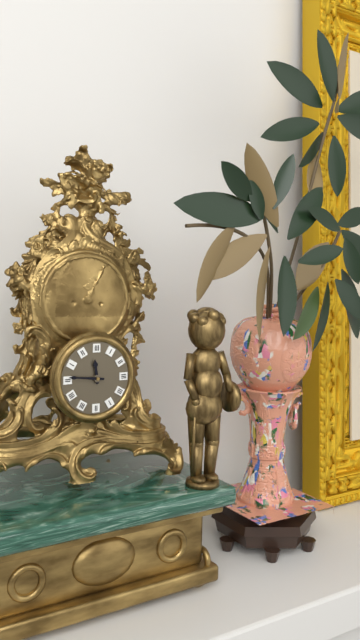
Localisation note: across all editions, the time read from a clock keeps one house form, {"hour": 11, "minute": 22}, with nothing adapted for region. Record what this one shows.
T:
{"hour": 11, "minute": 46}
